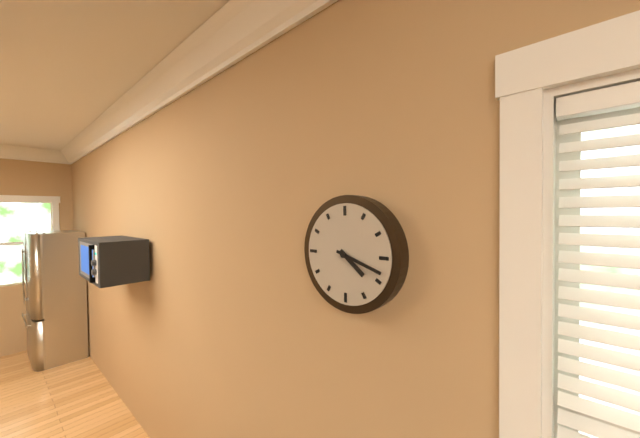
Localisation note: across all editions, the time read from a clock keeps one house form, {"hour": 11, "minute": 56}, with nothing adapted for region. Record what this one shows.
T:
{"hour": 4, "minute": 18}
